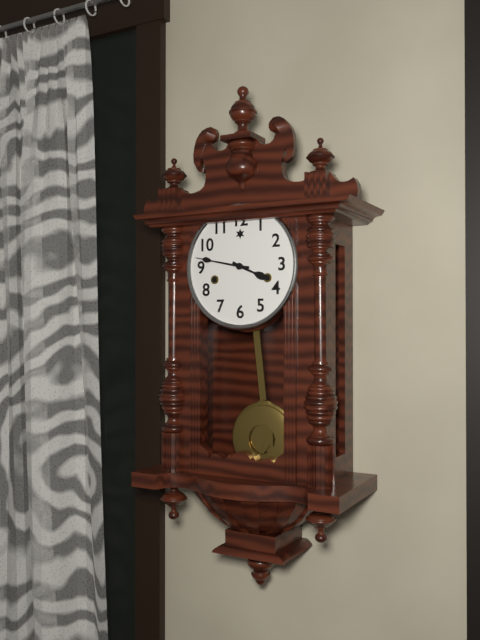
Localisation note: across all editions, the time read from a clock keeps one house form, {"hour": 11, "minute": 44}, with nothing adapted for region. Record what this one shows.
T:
{"hour": 3, "minute": 47}
